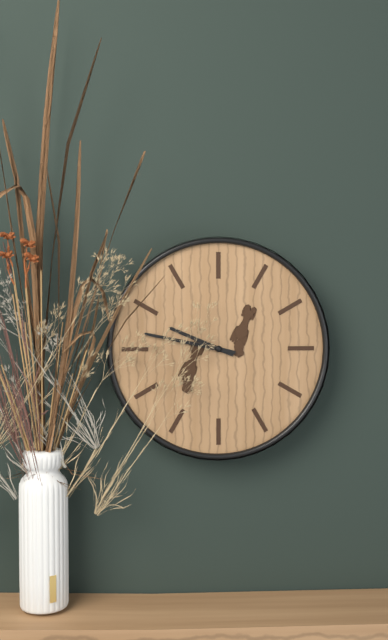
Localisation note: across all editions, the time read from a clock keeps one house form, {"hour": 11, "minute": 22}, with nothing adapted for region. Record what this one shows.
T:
{"hour": 9, "minute": 47}
